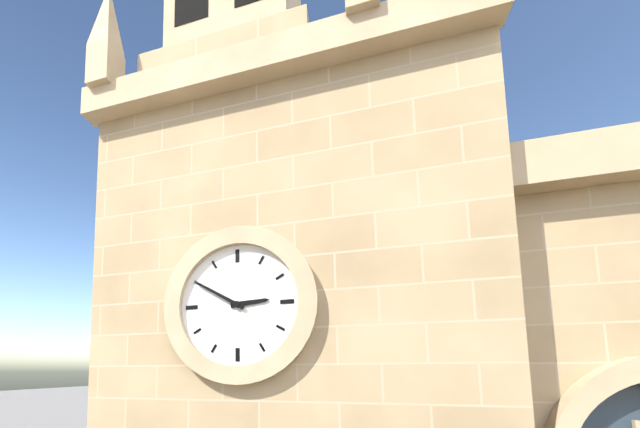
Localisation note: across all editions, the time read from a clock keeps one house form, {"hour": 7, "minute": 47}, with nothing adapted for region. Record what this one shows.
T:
{"hour": 2, "minute": 50}
